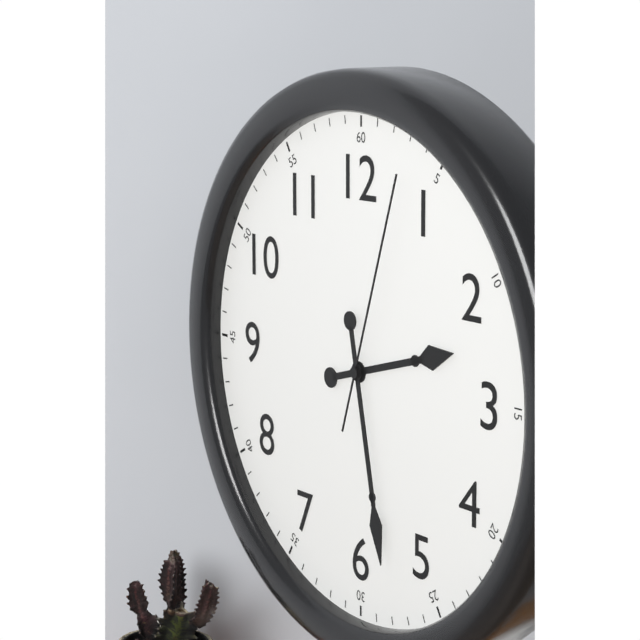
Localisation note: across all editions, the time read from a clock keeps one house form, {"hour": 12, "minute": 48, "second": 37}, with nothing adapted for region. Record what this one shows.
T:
{"hour": 2, "minute": 28, "second": 3}
